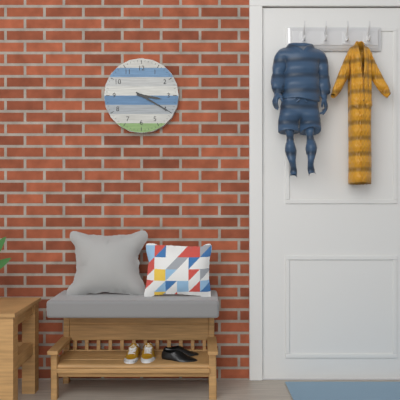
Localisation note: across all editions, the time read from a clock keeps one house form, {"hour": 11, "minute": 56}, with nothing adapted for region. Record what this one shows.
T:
{"hour": 3, "minute": 20}
